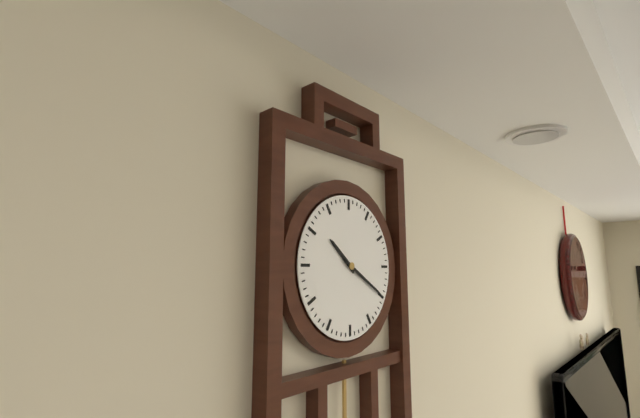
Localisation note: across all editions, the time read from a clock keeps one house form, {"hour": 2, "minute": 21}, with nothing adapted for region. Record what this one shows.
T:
{"hour": 10, "minute": 20}
